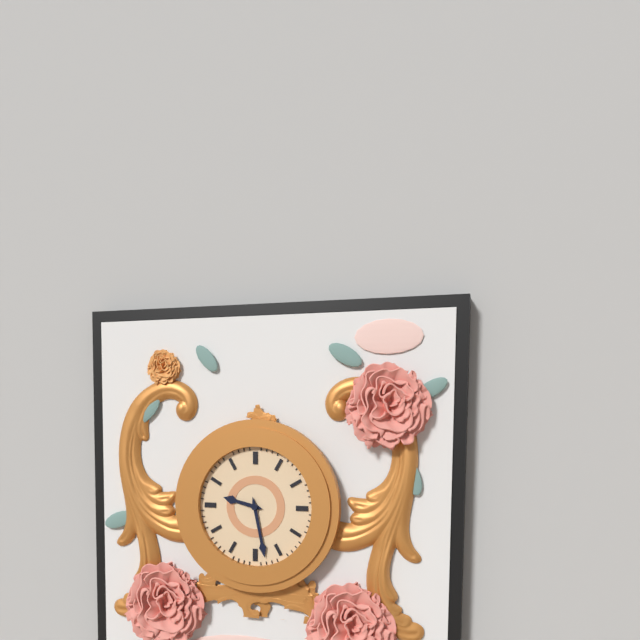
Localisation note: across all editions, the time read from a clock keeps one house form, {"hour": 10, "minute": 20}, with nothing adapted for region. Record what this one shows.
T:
{"hour": 9, "minute": 28}
